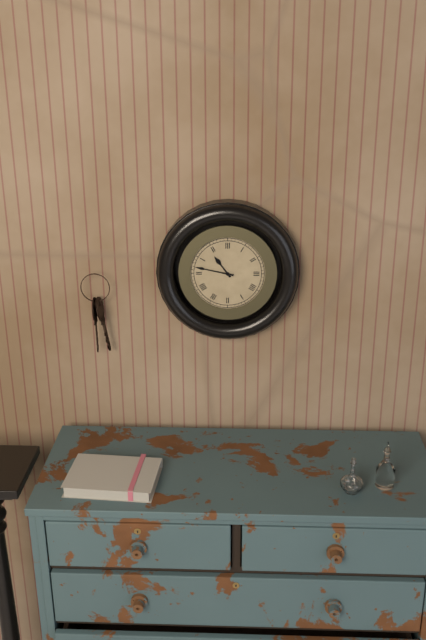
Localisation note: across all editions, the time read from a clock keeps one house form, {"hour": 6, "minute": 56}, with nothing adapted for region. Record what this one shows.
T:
{"hour": 10, "minute": 47}
